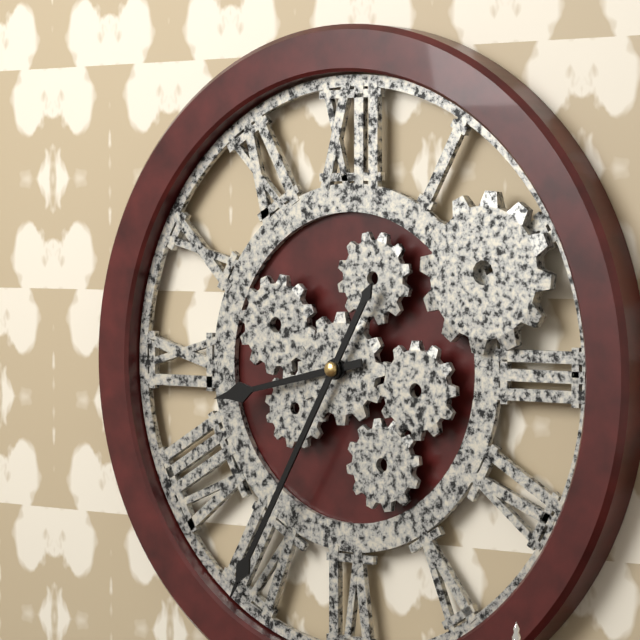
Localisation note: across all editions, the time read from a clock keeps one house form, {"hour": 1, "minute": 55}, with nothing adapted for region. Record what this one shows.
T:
{"hour": 8, "minute": 35}
